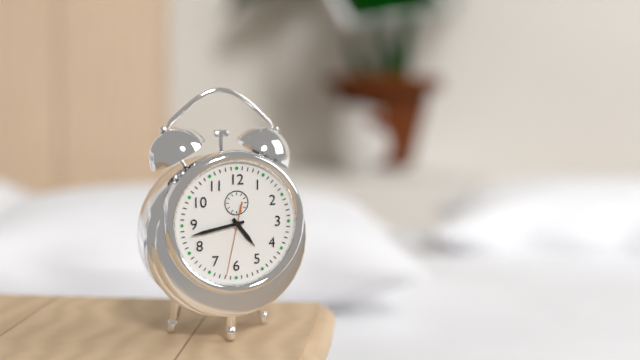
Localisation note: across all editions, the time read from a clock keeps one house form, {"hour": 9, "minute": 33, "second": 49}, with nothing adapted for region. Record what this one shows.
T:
{"hour": 4, "minute": 43, "second": 32}
